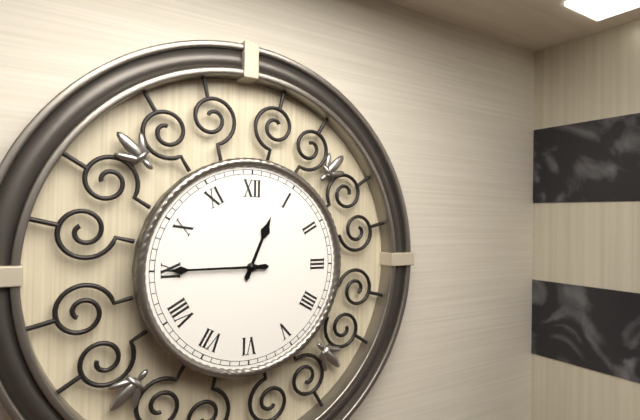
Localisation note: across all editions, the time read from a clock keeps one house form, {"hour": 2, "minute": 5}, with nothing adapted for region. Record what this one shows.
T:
{"hour": 12, "minute": 45}
